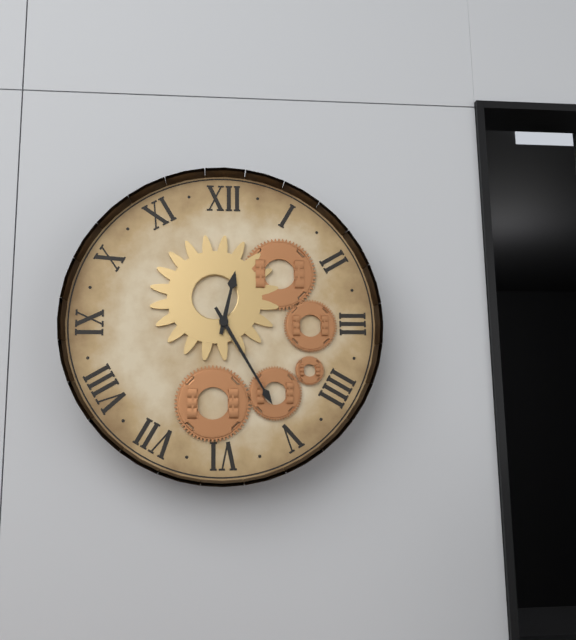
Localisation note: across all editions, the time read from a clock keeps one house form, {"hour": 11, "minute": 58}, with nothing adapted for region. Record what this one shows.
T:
{"hour": 12, "minute": 25}
